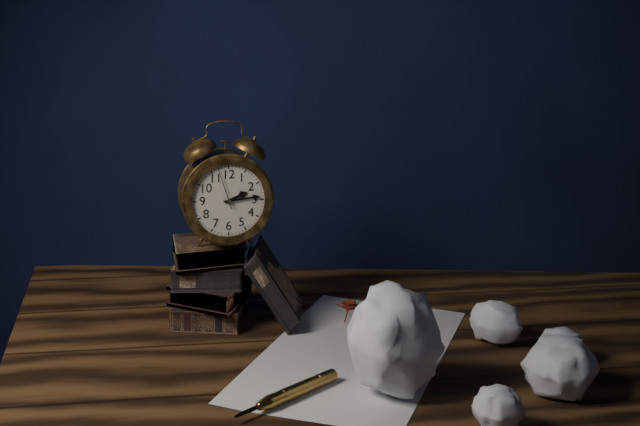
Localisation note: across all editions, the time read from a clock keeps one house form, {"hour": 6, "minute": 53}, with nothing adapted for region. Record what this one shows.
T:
{"hour": 2, "minute": 14}
